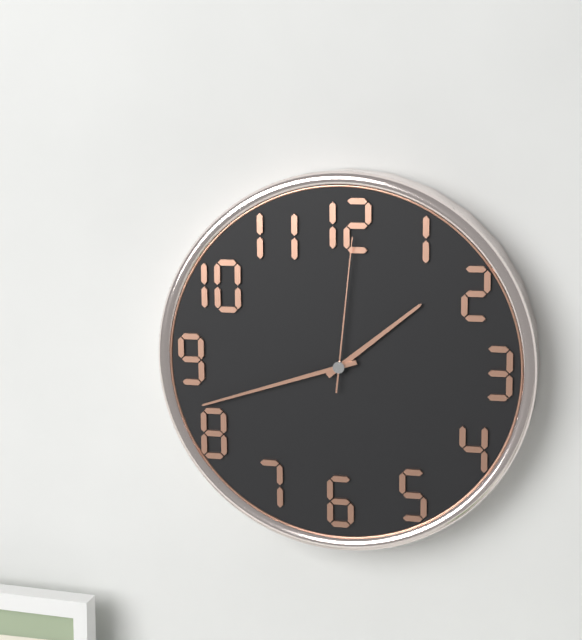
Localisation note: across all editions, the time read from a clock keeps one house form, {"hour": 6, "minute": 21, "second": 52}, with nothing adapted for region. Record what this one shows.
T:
{"hour": 1, "minute": 42, "second": 1}
